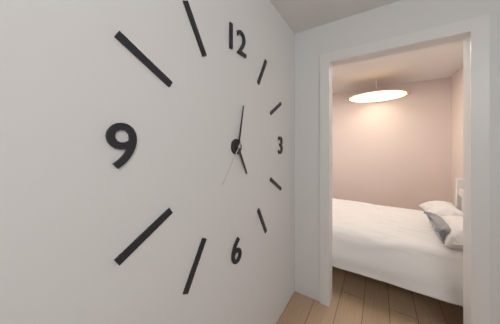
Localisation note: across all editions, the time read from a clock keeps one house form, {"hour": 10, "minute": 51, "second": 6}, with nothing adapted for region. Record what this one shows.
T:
{"hour": 5, "minute": 2, "second": 36}
